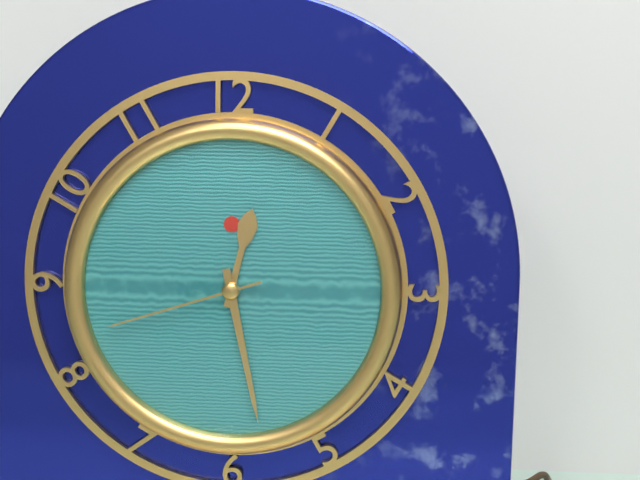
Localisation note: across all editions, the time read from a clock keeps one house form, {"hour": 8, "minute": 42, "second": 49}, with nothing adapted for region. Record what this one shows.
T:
{"hour": 12, "minute": 28, "second": 42}
